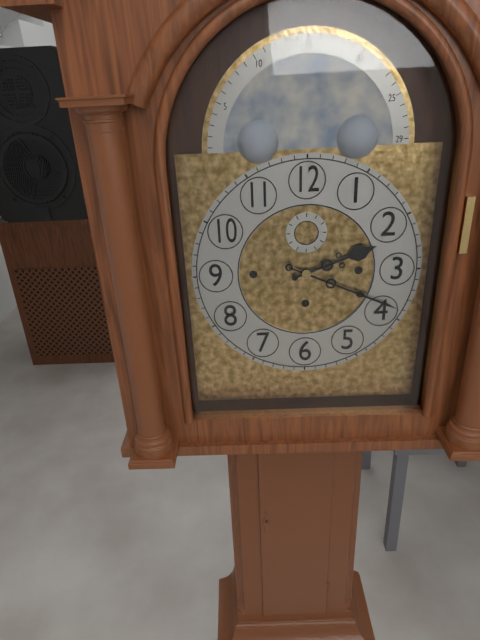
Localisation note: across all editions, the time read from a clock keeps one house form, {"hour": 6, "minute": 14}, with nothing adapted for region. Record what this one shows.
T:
{"hour": 2, "minute": 19}
